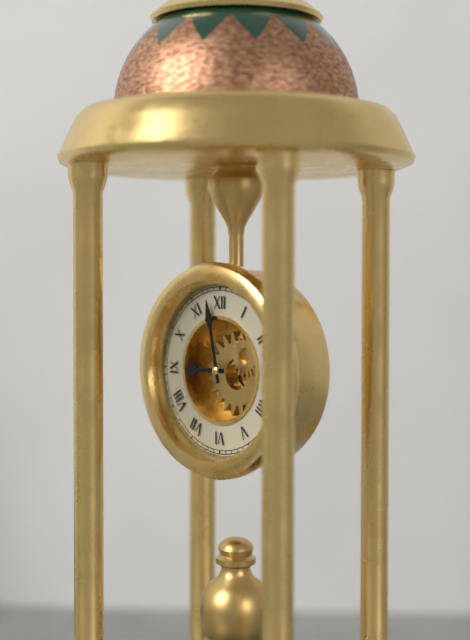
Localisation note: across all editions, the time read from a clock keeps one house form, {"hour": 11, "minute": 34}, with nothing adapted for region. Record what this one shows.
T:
{"hour": 8, "minute": 58}
